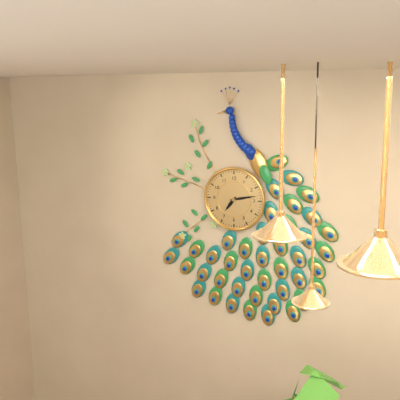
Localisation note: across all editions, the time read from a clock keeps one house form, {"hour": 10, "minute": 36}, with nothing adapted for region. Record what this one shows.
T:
{"hour": 7, "minute": 13}
